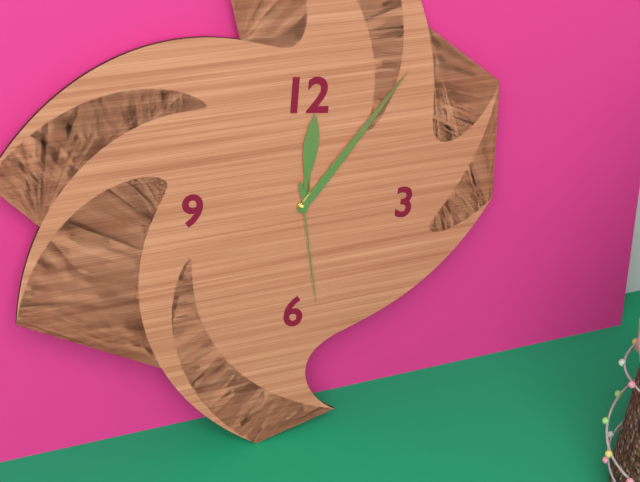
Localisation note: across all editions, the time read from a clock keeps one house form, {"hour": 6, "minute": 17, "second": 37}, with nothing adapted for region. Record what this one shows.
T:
{"hour": 12, "minute": 6, "second": 28}
